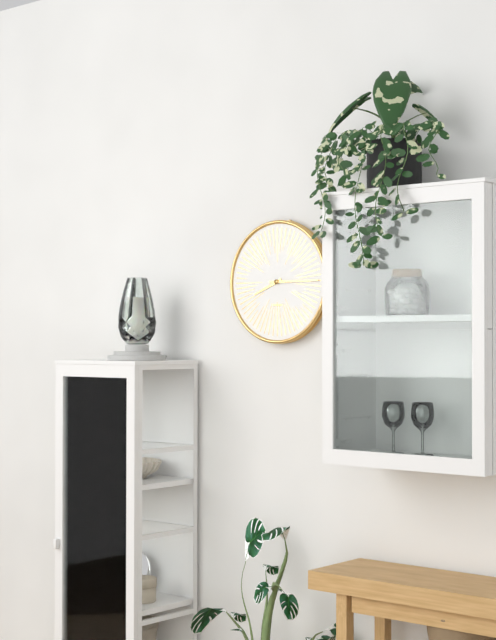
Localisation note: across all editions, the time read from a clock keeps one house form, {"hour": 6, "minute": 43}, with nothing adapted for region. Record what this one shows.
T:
{"hour": 8, "minute": 15}
